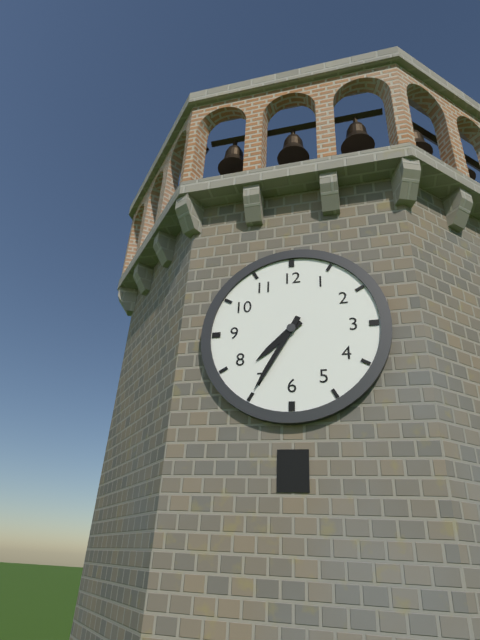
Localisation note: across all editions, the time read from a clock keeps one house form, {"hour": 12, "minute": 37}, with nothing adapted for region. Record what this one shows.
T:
{"hour": 7, "minute": 35}
